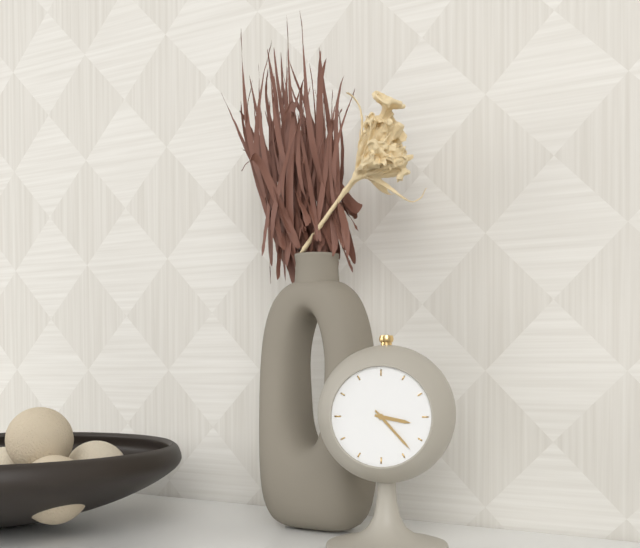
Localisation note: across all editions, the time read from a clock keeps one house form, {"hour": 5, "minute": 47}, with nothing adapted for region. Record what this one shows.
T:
{"hour": 3, "minute": 23}
